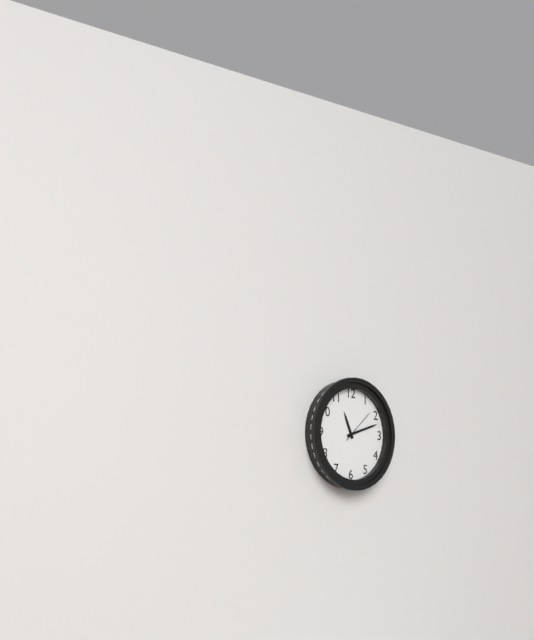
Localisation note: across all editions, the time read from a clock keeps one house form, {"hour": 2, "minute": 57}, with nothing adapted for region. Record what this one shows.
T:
{"hour": 11, "minute": 12}
